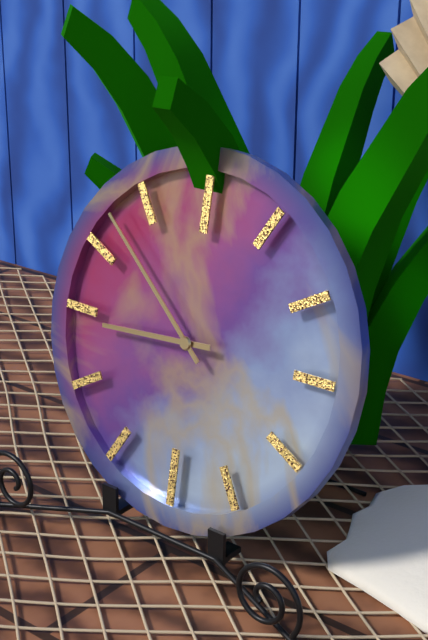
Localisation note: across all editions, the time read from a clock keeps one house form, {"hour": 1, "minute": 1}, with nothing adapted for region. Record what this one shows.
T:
{"hour": 8, "minute": 52}
